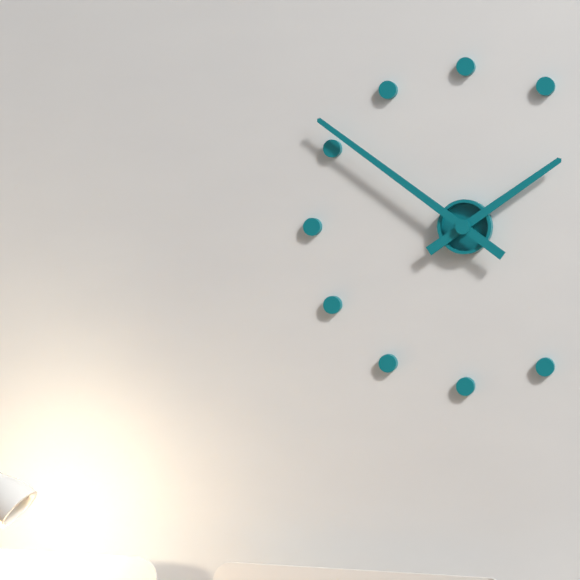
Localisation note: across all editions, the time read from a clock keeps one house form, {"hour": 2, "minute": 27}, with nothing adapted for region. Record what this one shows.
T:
{"hour": 1, "minute": 51}
